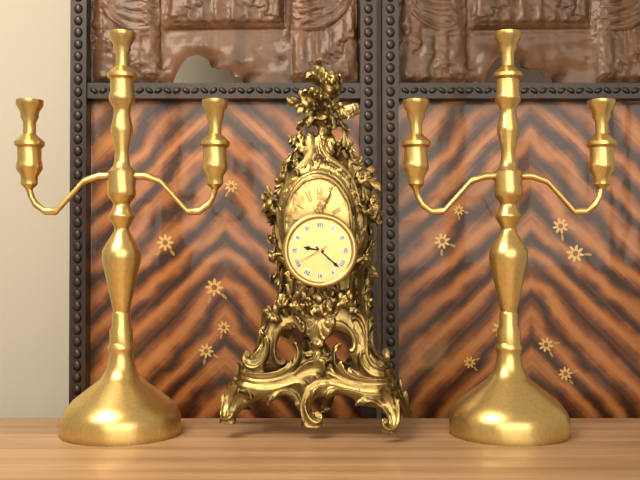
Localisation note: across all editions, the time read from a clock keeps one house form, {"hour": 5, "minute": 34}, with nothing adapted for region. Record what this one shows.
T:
{"hour": 9, "minute": 22}
